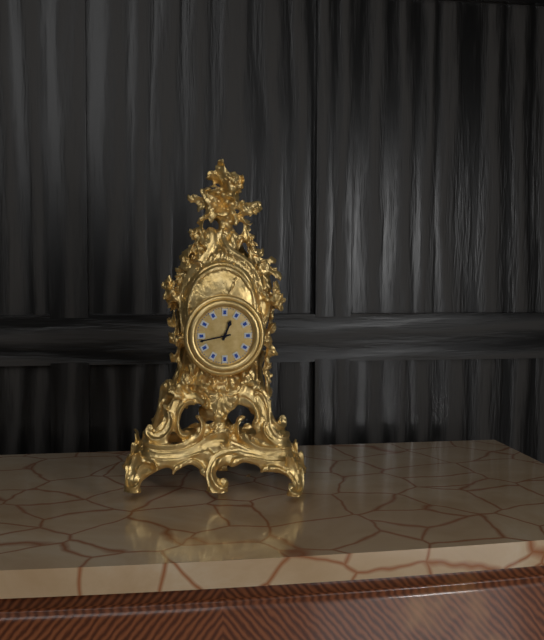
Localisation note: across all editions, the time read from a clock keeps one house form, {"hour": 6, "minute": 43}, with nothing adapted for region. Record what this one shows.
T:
{"hour": 12, "minute": 43}
